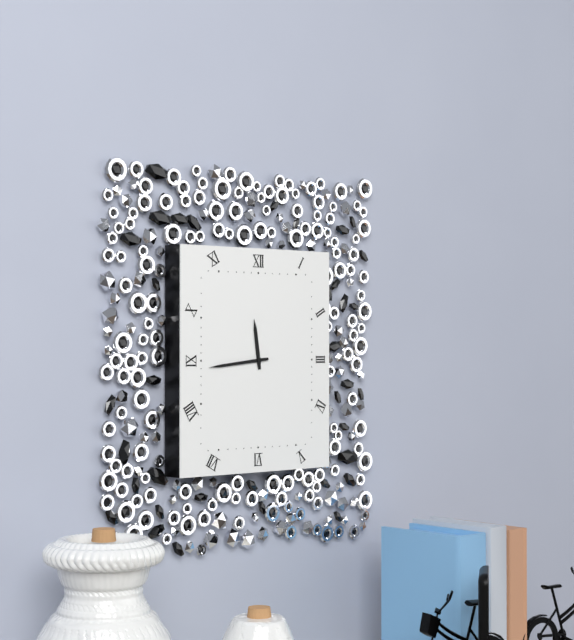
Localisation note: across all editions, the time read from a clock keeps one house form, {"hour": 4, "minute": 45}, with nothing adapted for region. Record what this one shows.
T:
{"hour": 11, "minute": 44}
